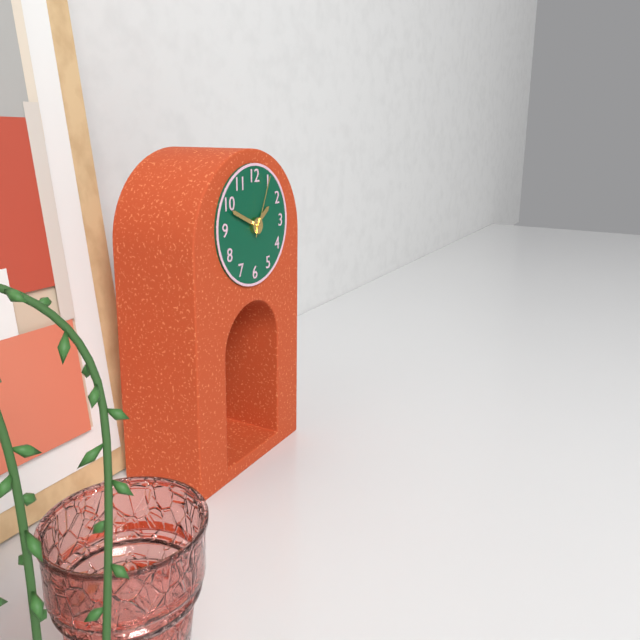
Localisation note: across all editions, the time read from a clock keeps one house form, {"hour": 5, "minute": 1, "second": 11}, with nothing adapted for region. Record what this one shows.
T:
{"hour": 1, "minute": 49, "second": 4}
